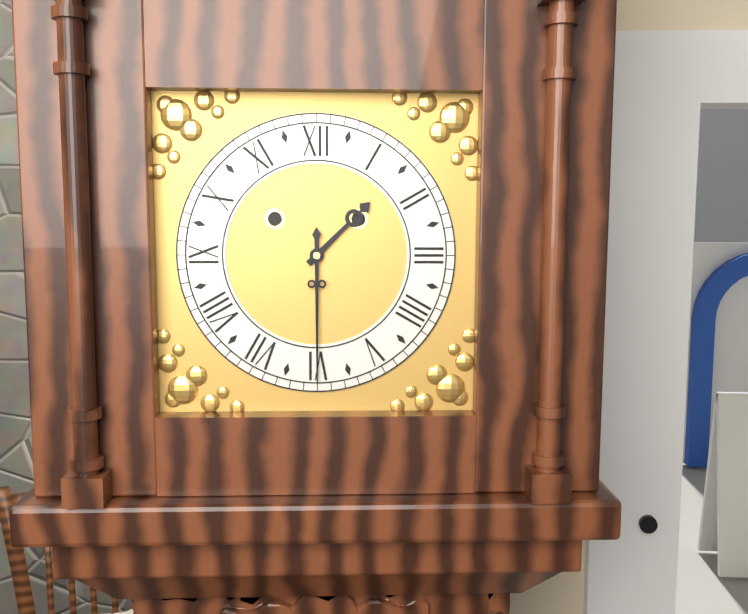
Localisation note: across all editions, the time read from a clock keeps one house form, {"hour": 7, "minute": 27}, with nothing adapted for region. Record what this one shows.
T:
{"hour": 1, "minute": 30}
